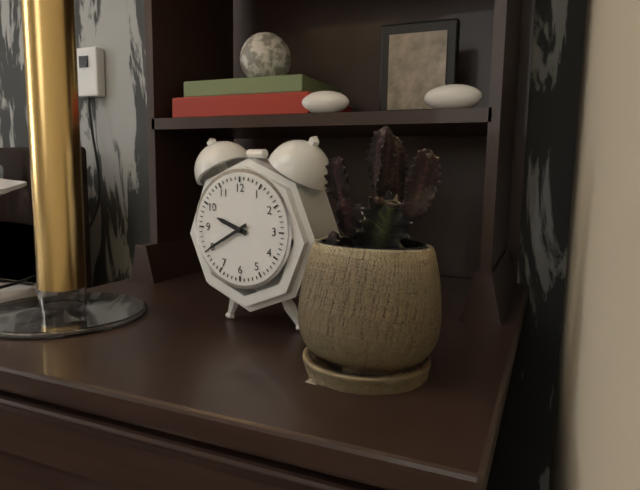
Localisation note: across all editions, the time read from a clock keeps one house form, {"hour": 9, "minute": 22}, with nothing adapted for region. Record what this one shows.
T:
{"hour": 9, "minute": 40}
